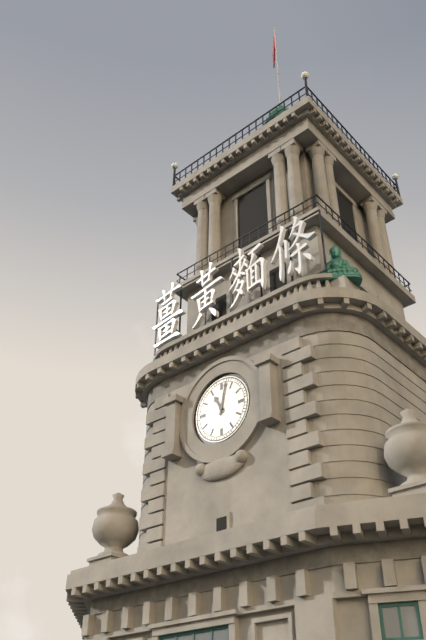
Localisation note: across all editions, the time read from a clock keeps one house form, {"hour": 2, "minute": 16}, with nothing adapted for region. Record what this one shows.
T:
{"hour": 11, "minute": 2}
